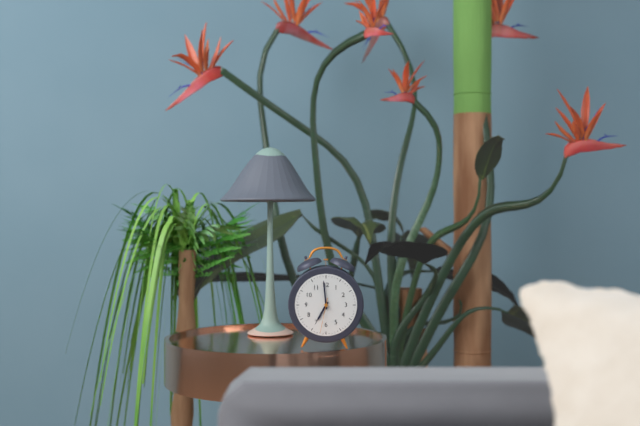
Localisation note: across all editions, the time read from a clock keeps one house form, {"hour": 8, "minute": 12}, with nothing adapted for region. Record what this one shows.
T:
{"hour": 6, "minute": 59}
